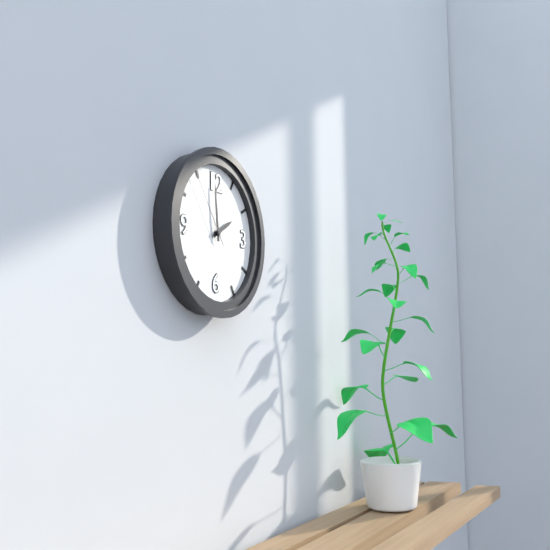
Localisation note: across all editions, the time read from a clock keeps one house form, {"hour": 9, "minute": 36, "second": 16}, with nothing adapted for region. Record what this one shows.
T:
{"hour": 1, "minute": 59, "second": 54}
